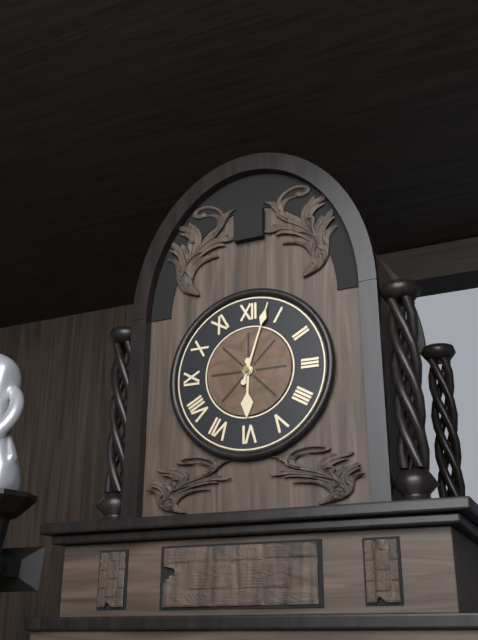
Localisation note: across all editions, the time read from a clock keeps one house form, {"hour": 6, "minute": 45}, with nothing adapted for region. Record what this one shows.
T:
{"hour": 6, "minute": 3}
